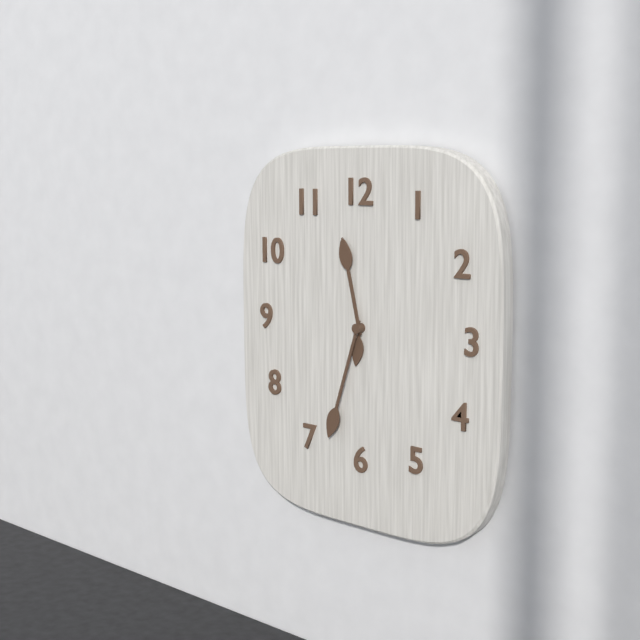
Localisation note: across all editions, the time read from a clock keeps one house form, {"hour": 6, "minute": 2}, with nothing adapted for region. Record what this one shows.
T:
{"hour": 11, "minute": 33}
